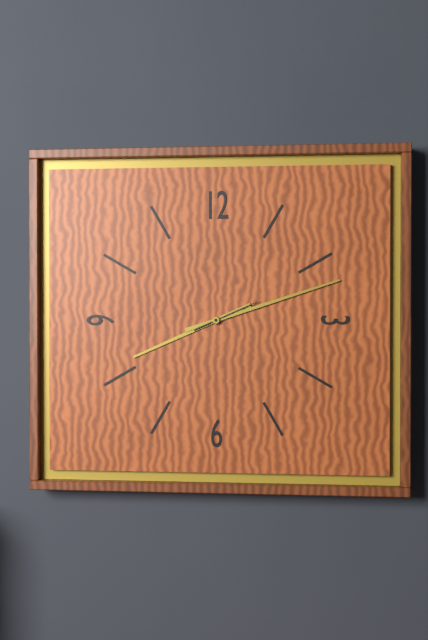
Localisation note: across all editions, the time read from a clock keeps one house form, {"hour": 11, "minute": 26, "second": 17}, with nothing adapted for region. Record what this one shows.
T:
{"hour": 8, "minute": 12, "second": 11}
